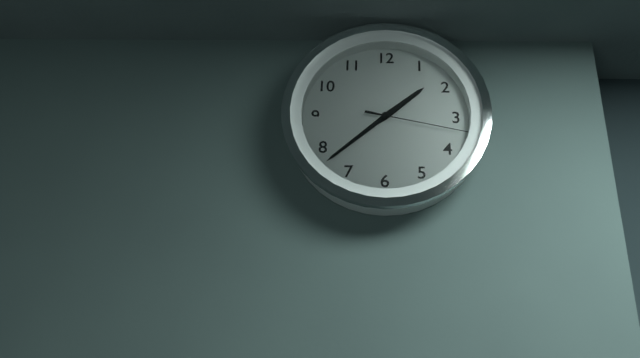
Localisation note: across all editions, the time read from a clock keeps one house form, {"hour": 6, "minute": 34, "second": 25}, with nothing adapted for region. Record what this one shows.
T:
{"hour": 1, "minute": 38, "second": 17}
